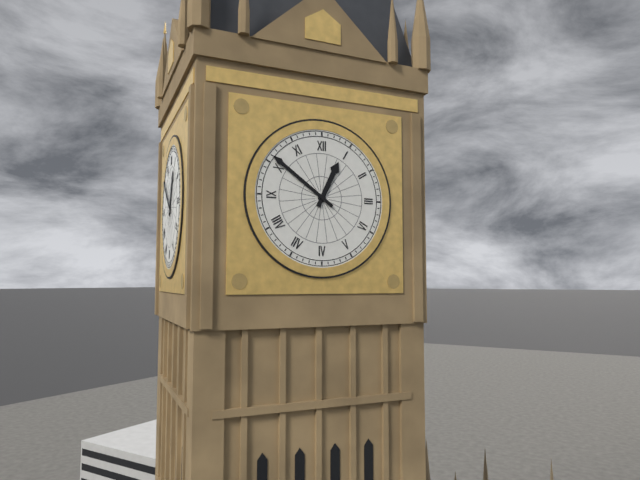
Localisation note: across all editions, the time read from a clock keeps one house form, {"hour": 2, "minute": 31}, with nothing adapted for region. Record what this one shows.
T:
{"hour": 12, "minute": 51}
